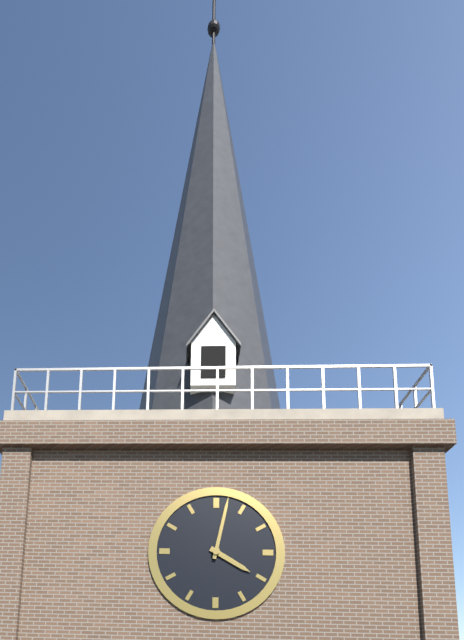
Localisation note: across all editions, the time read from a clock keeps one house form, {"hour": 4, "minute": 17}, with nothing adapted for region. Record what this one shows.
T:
{"hour": 4, "minute": 2}
